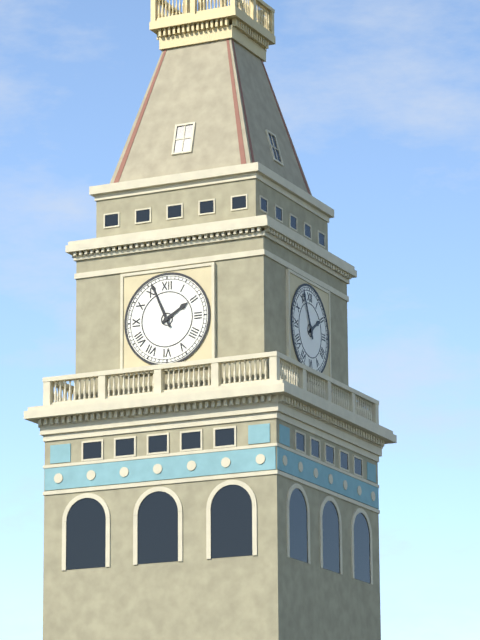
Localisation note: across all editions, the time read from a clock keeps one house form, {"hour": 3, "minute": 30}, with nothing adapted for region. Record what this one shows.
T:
{"hour": 1, "minute": 56}
